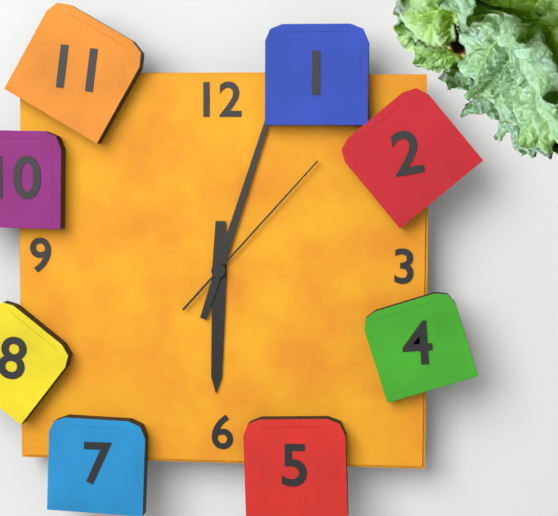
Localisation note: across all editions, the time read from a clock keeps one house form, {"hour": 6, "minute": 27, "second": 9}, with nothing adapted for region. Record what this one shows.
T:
{"hour": 6, "minute": 3, "second": 7}
